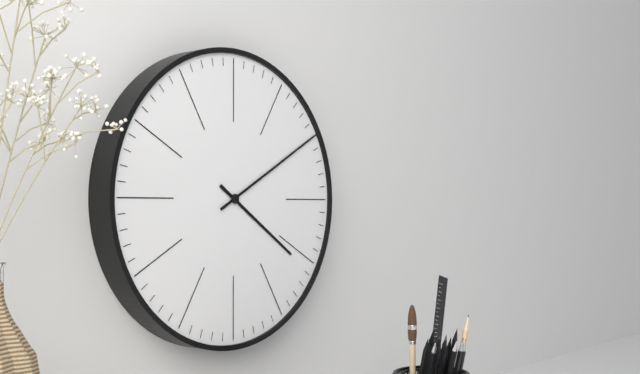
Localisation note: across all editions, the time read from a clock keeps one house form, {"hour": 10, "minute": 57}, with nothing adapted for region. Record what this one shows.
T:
{"hour": 4, "minute": 10}
